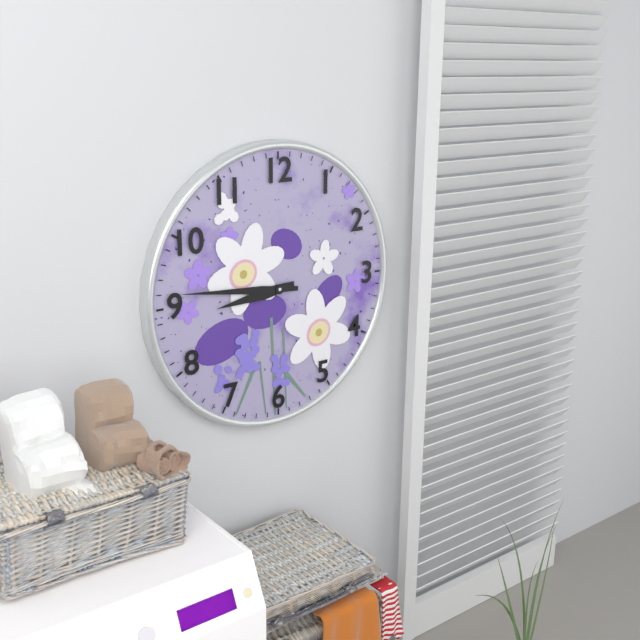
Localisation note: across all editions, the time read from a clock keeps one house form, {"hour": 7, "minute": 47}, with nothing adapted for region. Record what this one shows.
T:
{"hour": 8, "minute": 46}
